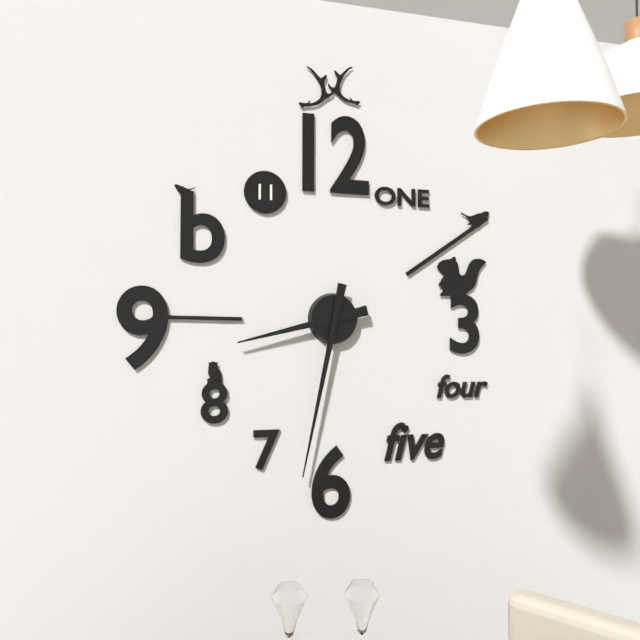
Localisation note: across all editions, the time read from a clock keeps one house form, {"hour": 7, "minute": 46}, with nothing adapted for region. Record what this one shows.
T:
{"hour": 8, "minute": 32}
